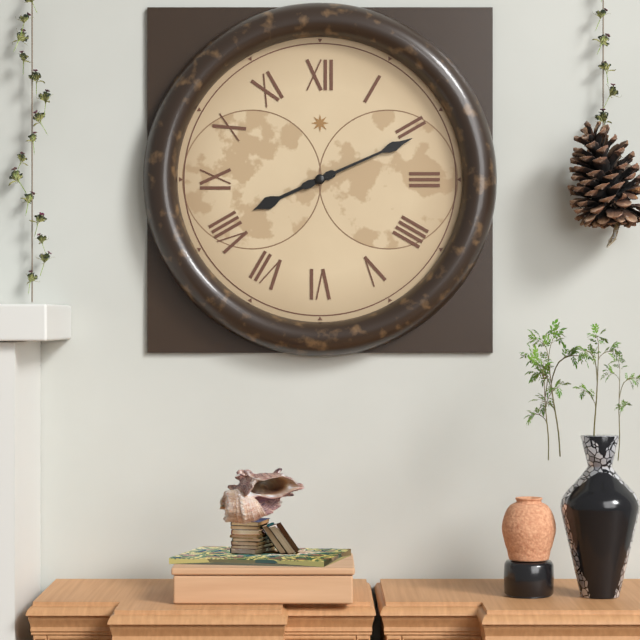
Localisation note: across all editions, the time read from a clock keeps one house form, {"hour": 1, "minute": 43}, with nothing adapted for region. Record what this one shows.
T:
{"hour": 8, "minute": 11}
